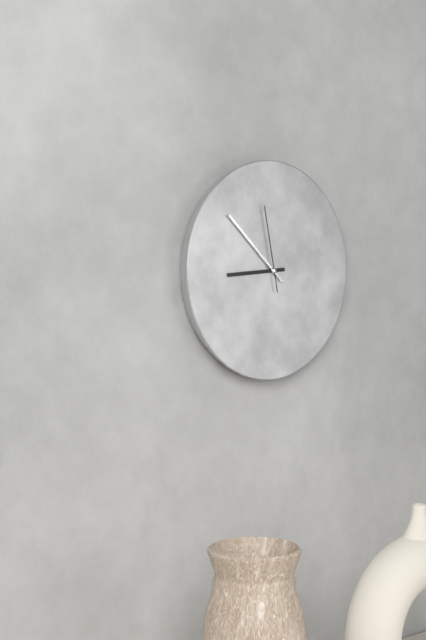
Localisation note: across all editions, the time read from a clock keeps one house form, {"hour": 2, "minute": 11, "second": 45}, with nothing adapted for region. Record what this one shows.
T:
{"hour": 8, "minute": 52, "second": 58}
